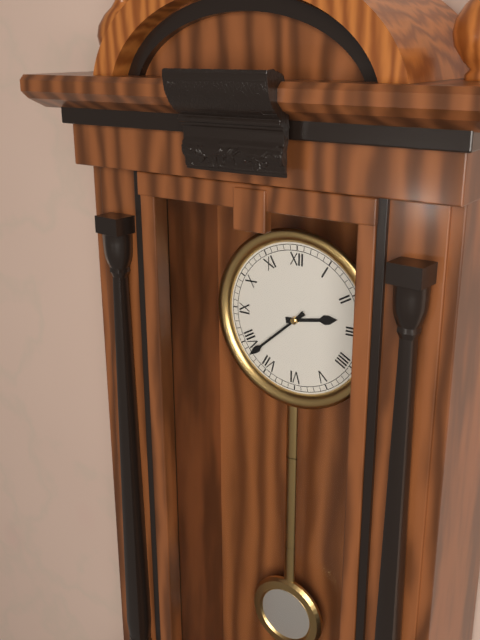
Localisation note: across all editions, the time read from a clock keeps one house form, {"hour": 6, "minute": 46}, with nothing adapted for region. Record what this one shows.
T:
{"hour": 2, "minute": 38}
